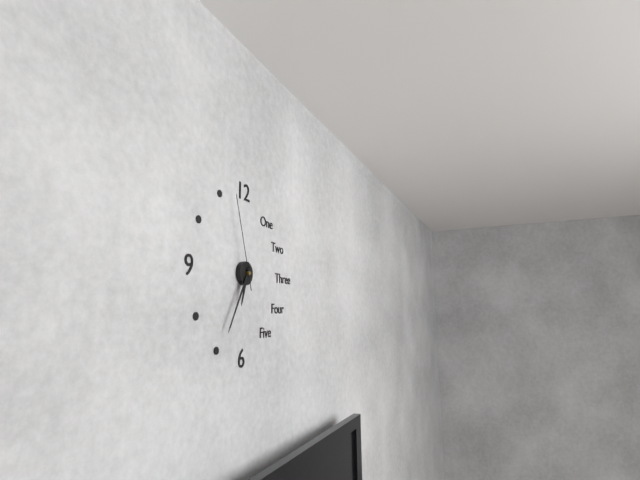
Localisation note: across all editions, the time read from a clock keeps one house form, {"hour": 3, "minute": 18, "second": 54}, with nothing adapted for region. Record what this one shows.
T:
{"hour": 6, "minute": 35, "second": 57}
